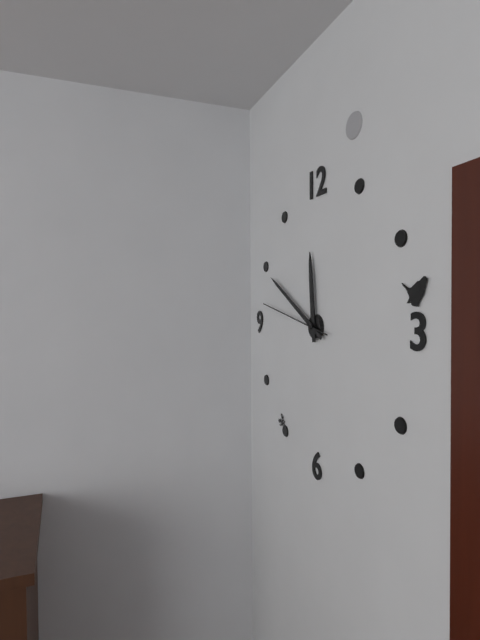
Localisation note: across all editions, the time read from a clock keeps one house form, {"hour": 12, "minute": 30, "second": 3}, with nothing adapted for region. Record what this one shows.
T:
{"hour": 11, "minute": 50, "second": 47}
